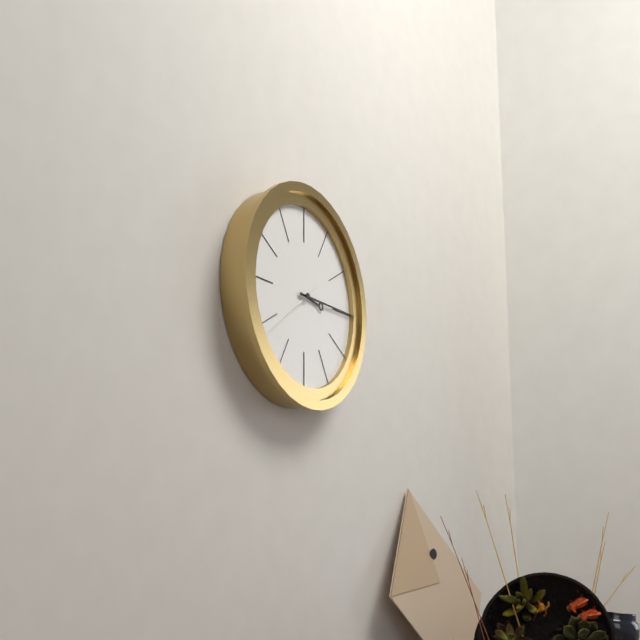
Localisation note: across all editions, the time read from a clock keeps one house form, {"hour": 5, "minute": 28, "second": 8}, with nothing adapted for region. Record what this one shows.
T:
{"hour": 3, "minute": 15, "second": 39}
